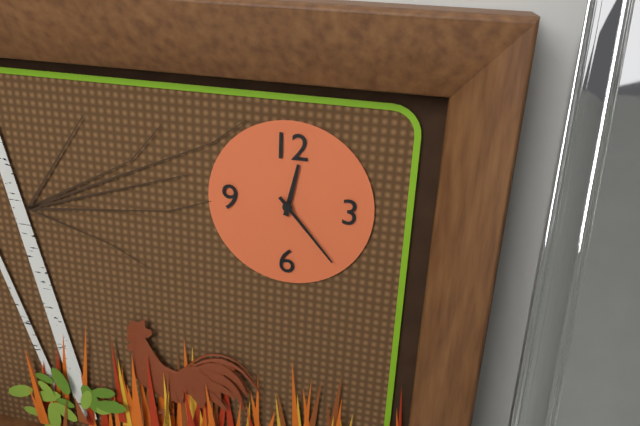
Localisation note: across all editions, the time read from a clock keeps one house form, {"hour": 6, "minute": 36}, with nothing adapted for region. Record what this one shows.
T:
{"hour": 12, "minute": 23}
